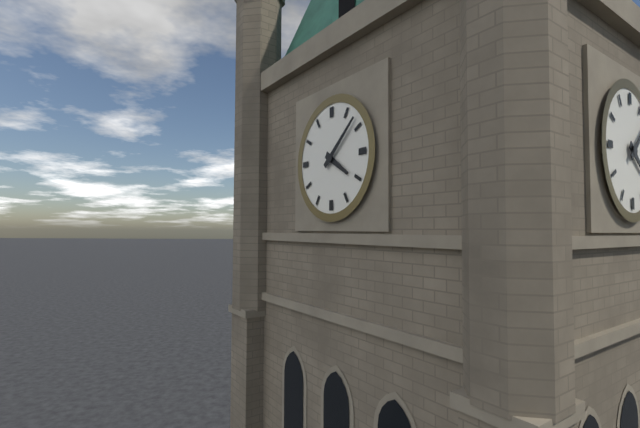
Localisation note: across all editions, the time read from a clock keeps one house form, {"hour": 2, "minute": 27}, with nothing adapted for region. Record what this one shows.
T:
{"hour": 4, "minute": 8}
